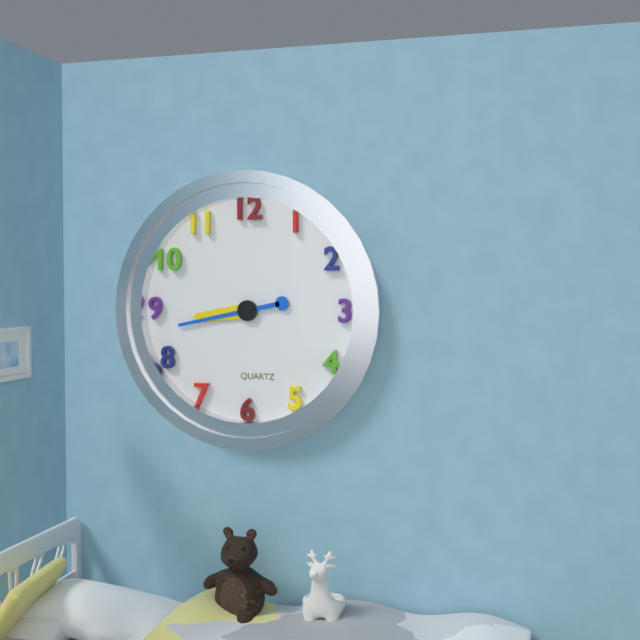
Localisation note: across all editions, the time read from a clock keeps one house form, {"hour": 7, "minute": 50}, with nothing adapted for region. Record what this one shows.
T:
{"hour": 8, "minute": 43}
